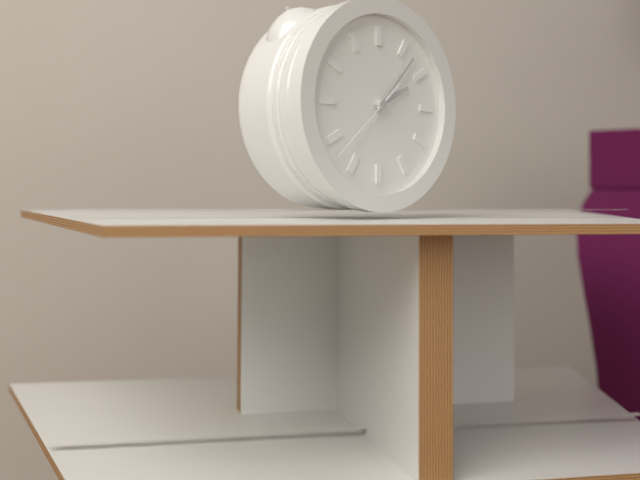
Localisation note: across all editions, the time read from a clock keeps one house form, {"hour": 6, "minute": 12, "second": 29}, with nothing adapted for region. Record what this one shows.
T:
{"hour": 2, "minute": 7, "second": 38}
